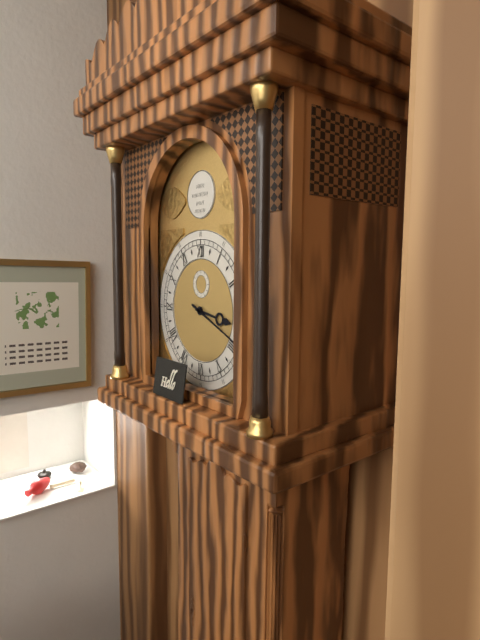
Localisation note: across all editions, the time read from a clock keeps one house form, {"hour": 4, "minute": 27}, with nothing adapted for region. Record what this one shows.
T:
{"hour": 3, "minute": 19}
